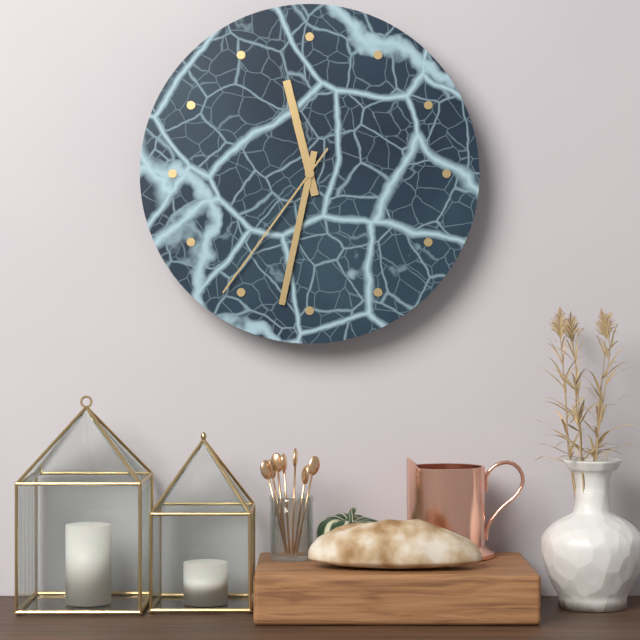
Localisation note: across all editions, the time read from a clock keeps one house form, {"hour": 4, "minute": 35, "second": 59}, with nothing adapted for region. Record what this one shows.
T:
{"hour": 11, "minute": 32, "second": 36}
